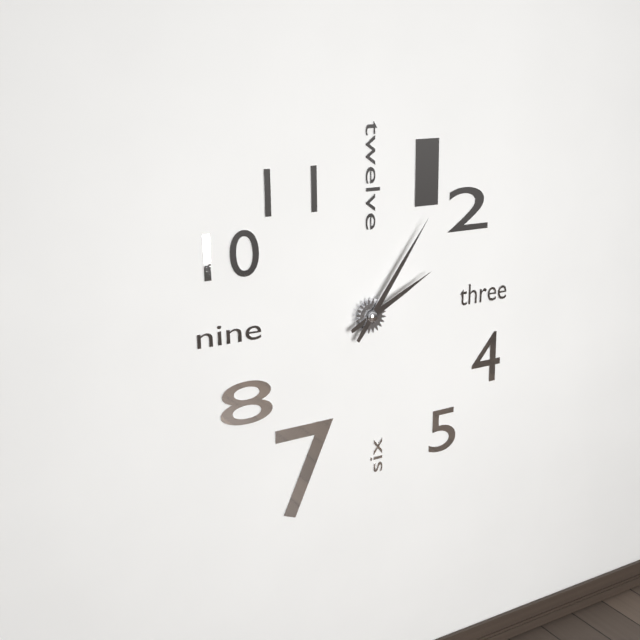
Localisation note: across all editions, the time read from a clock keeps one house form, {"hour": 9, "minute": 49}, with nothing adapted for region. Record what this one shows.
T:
{"hour": 2, "minute": 6}
